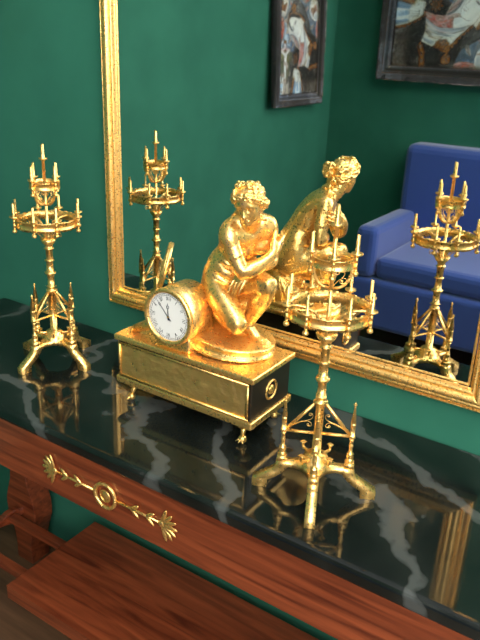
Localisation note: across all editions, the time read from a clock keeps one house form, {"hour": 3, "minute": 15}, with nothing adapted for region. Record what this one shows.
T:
{"hour": 11, "minute": 53}
